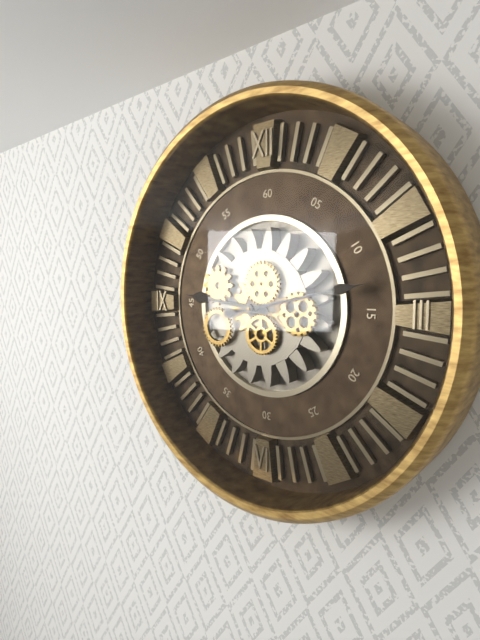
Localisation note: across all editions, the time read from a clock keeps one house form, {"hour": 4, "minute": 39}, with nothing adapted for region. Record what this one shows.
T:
{"hour": 9, "minute": 13}
